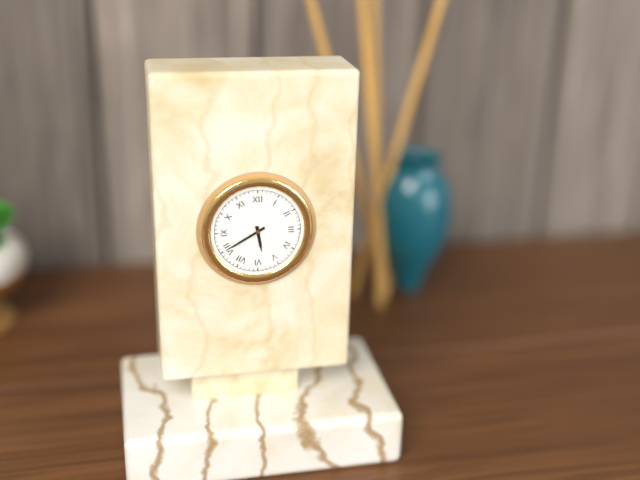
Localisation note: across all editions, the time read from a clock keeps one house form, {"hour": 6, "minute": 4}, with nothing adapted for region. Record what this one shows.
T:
{"hour": 5, "minute": 40}
